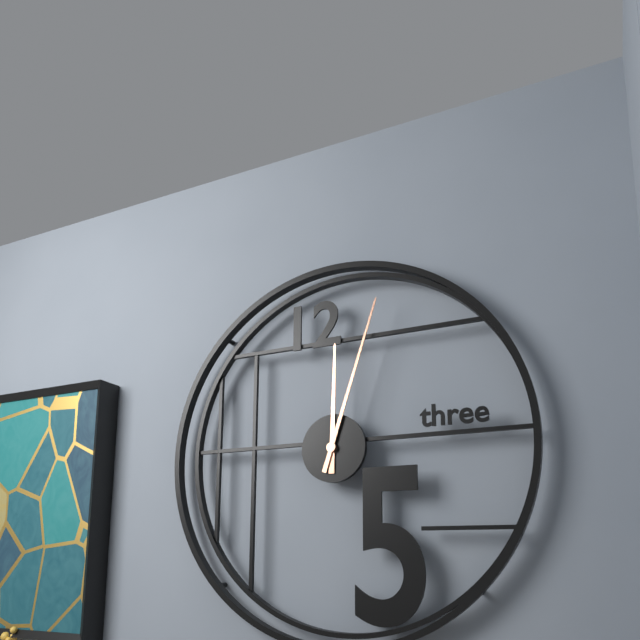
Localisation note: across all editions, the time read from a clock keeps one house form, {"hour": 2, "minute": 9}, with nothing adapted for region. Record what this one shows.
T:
{"hour": 12, "minute": 3}
